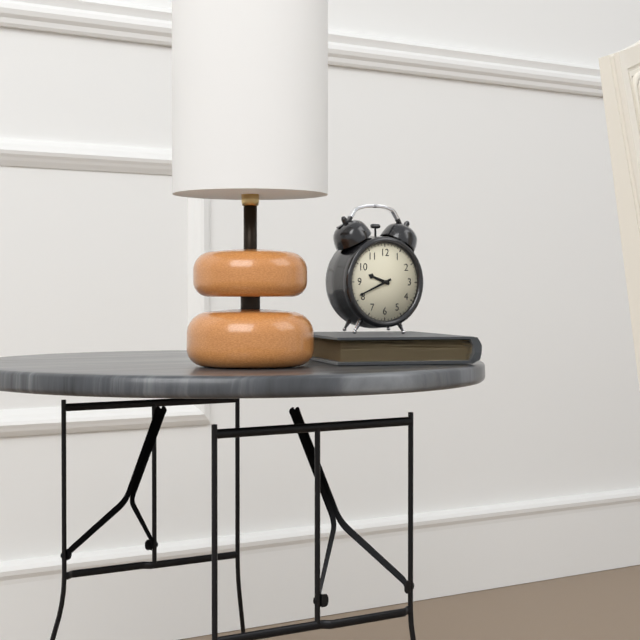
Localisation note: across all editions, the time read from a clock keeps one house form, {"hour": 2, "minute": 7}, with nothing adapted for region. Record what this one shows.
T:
{"hour": 9, "minute": 41}
